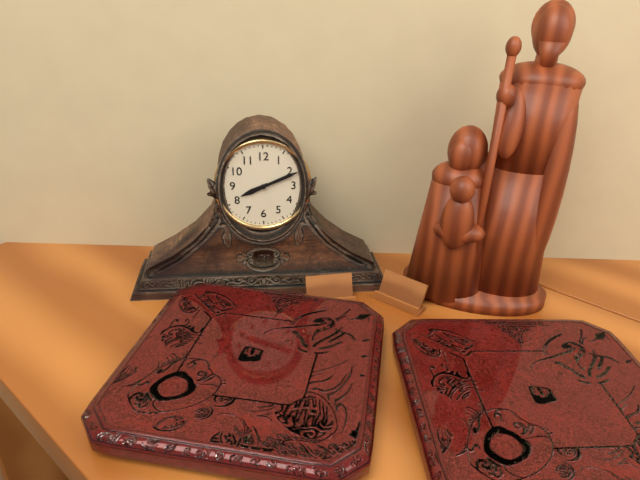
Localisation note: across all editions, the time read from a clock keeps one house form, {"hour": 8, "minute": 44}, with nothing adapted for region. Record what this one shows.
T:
{"hour": 8, "minute": 11}
